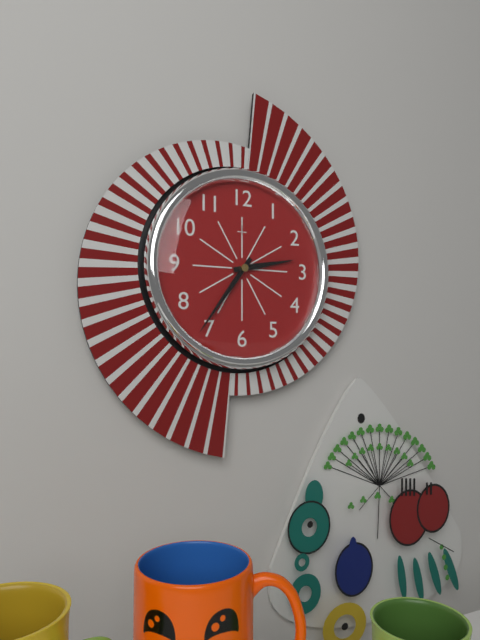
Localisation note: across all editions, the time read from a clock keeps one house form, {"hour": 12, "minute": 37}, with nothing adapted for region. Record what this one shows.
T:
{"hour": 2, "minute": 36}
